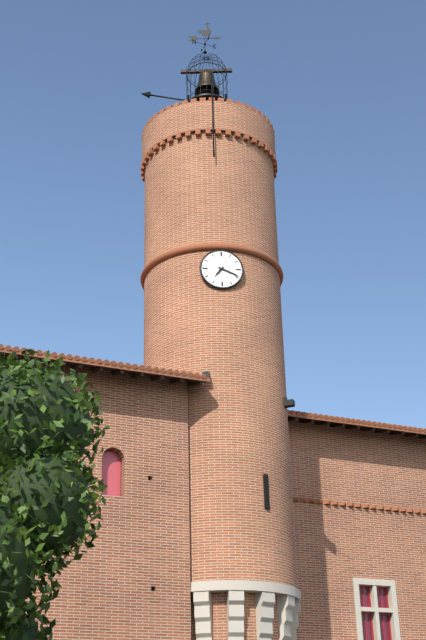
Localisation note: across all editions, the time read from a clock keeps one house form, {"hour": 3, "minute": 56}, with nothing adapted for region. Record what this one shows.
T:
{"hour": 7, "minute": 19}
